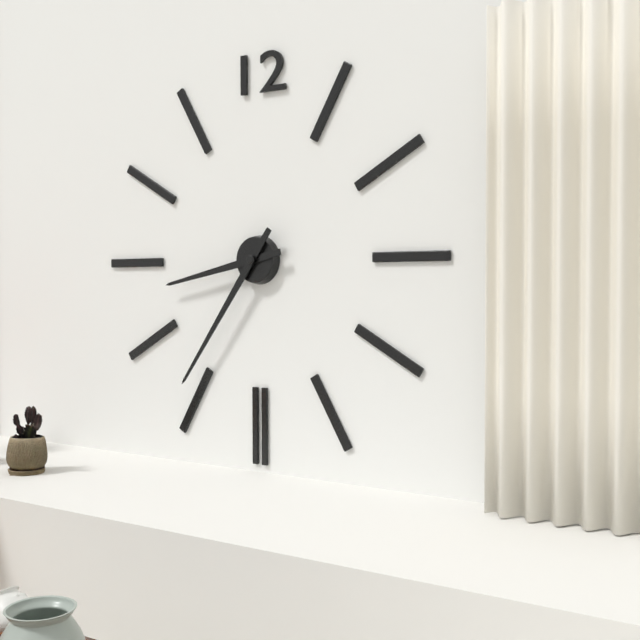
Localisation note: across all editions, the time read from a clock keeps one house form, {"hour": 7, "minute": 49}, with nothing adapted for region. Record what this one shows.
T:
{"hour": 8, "minute": 36}
